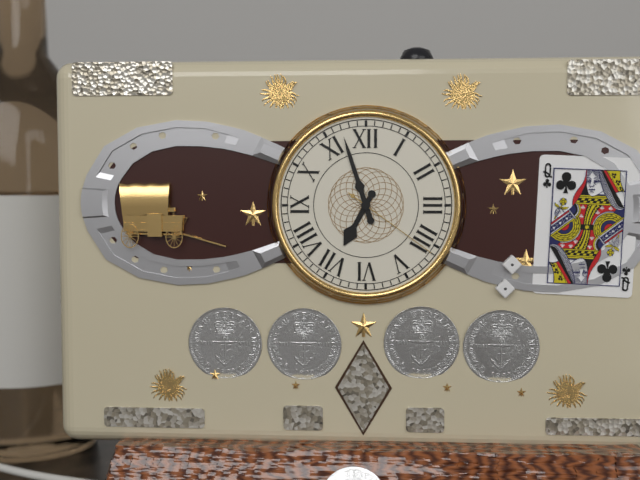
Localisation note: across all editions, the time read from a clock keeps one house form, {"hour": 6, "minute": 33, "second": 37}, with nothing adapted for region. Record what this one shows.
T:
{"hour": 6, "minute": 57, "second": 21}
